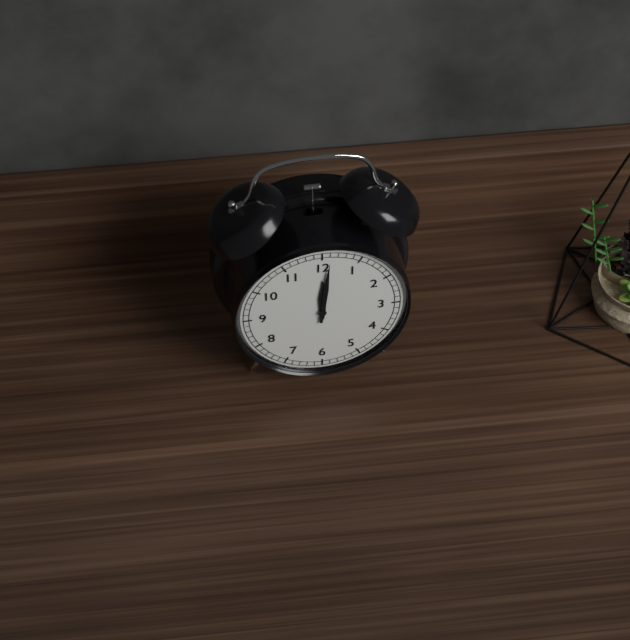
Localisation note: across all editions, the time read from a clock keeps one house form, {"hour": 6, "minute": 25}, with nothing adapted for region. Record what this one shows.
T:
{"hour": 12, "minute": 1}
